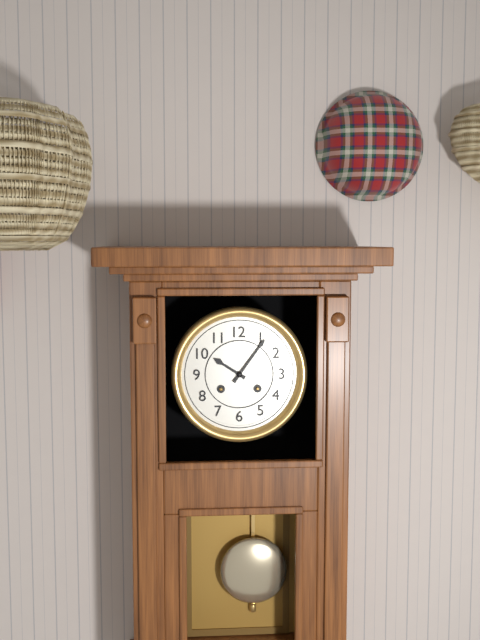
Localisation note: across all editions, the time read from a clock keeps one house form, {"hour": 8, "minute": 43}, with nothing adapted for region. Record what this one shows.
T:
{"hour": 10, "minute": 6}
